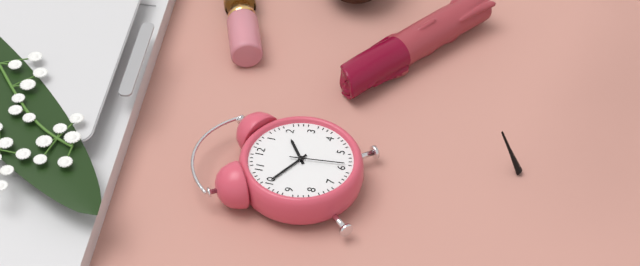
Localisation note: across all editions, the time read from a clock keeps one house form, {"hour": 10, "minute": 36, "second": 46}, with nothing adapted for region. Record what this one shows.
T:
{"hour": 1, "minute": 50, "second": 29}
